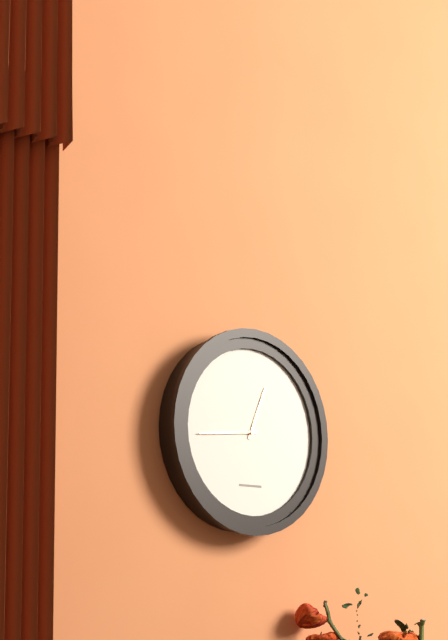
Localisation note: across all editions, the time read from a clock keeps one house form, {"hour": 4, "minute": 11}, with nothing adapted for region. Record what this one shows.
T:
{"hour": 12, "minute": 44}
